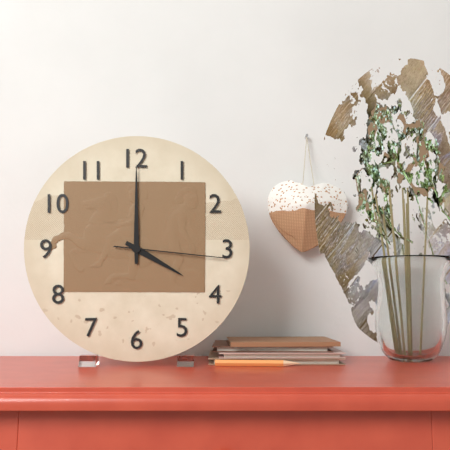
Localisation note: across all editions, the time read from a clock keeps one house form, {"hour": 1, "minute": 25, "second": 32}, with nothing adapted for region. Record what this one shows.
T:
{"hour": 4, "minute": 0, "second": 16}
